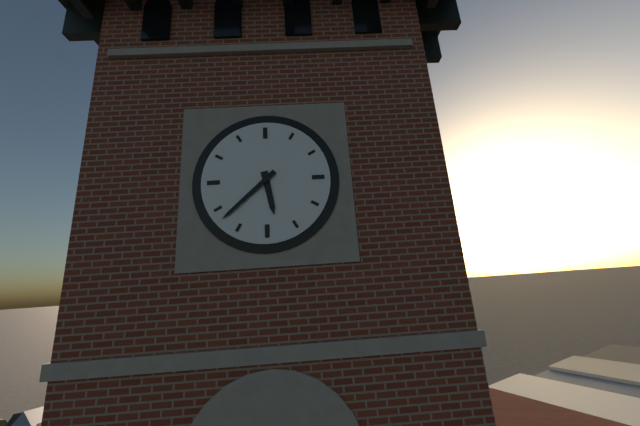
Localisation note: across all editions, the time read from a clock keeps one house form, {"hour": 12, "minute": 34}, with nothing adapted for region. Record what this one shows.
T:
{"hour": 5, "minute": 38}
